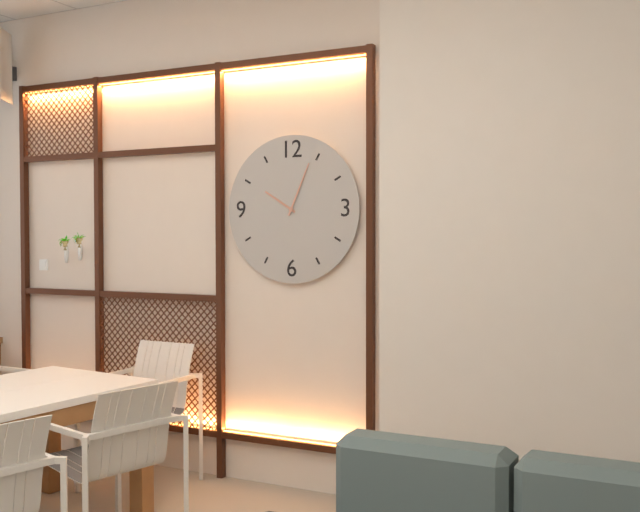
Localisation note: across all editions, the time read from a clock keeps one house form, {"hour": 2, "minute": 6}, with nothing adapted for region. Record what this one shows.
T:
{"hour": 10, "minute": 4}
